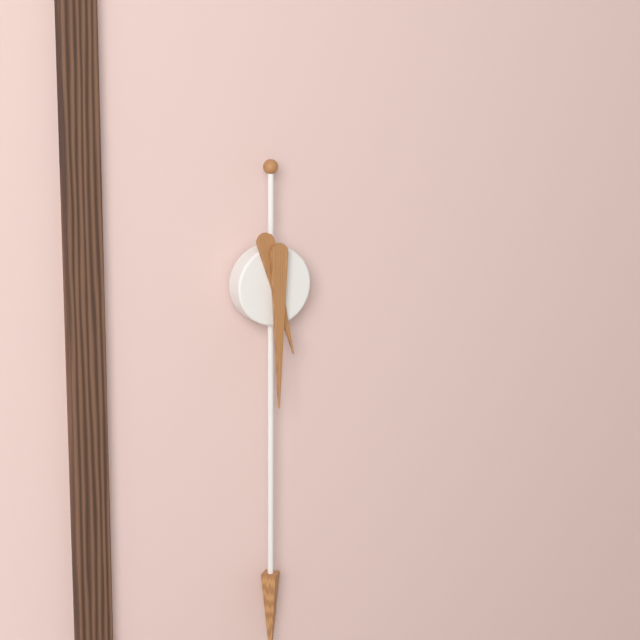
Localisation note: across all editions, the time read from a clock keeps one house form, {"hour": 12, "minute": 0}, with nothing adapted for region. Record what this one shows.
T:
{"hour": 5, "minute": 30}
